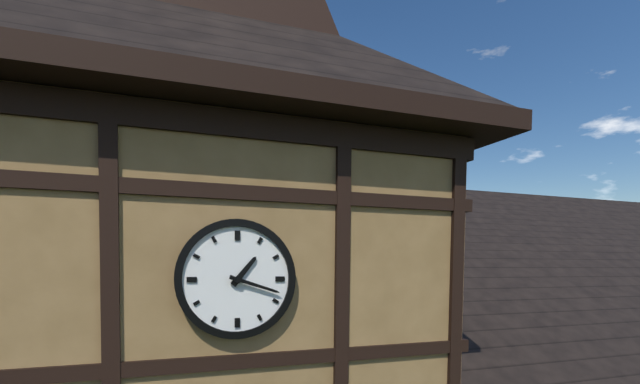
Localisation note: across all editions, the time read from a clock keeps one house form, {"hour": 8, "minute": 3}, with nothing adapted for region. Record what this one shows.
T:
{"hour": 1, "minute": 18}
